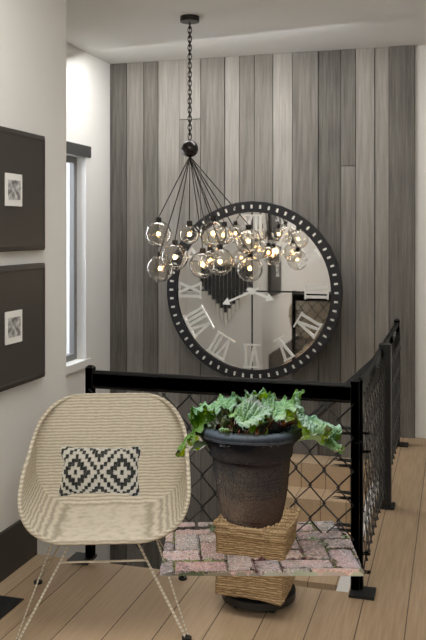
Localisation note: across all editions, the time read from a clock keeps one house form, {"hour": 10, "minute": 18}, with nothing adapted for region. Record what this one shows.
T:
{"hour": 3, "minute": 41}
